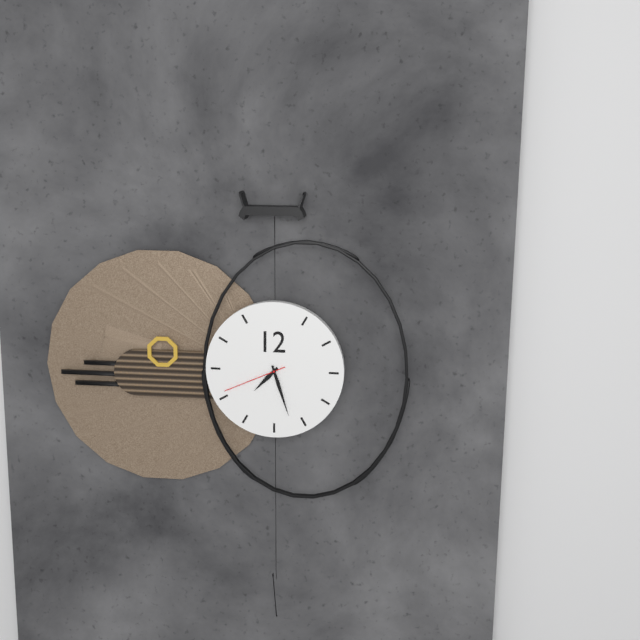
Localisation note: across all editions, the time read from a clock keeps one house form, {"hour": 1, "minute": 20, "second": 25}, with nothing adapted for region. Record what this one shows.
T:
{"hour": 7, "minute": 27, "second": 41}
